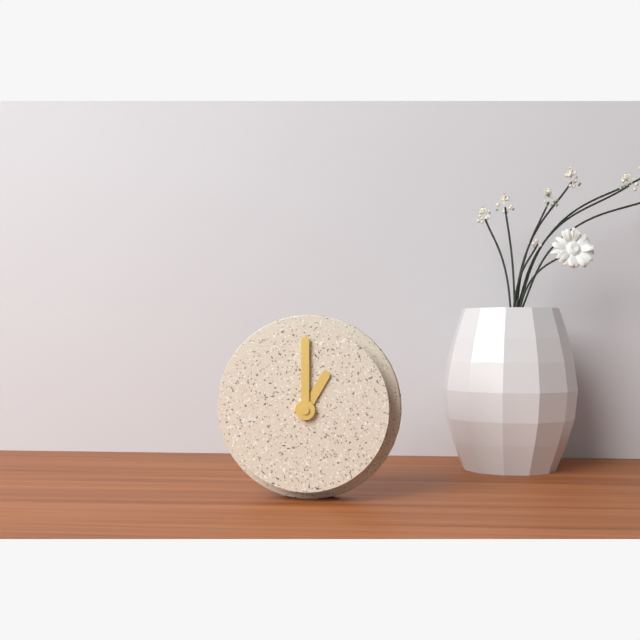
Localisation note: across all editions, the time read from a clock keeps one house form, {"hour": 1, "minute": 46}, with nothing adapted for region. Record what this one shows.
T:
{"hour": 1, "minute": 0}
